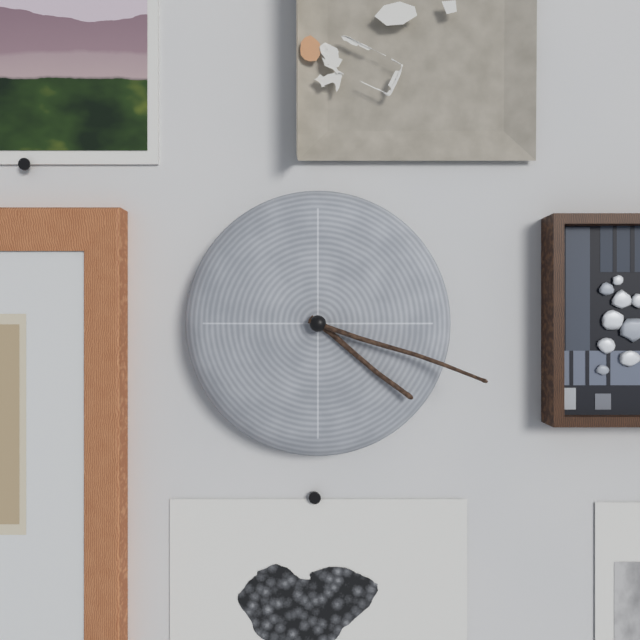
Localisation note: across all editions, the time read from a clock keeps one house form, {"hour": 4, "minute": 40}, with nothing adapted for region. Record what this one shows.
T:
{"hour": 4, "minute": 18}
